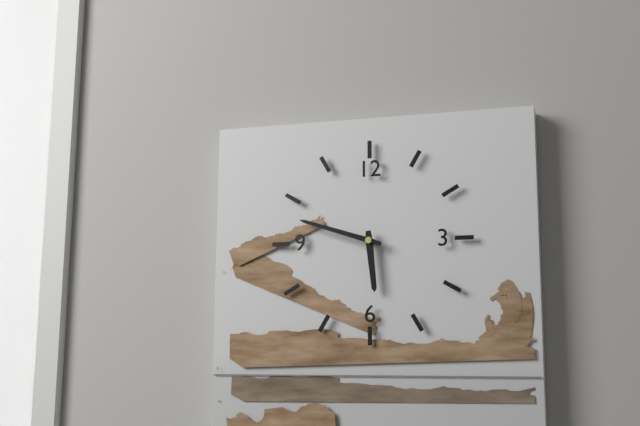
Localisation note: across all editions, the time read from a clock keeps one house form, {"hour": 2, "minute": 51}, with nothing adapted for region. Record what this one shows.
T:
{"hour": 5, "minute": 48}
